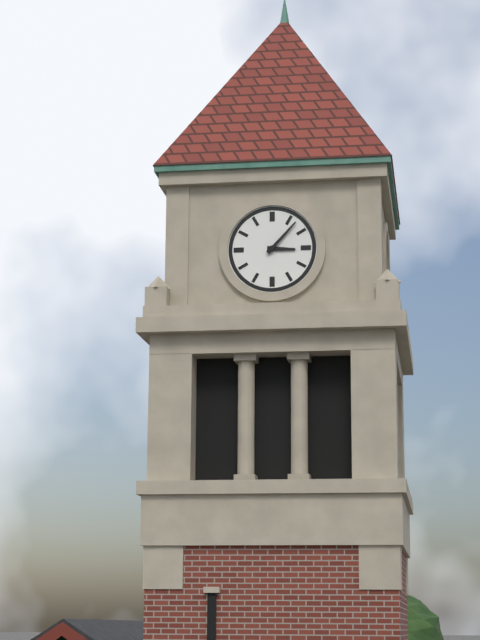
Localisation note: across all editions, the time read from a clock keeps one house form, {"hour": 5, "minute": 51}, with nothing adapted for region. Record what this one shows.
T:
{"hour": 3, "minute": 7}
